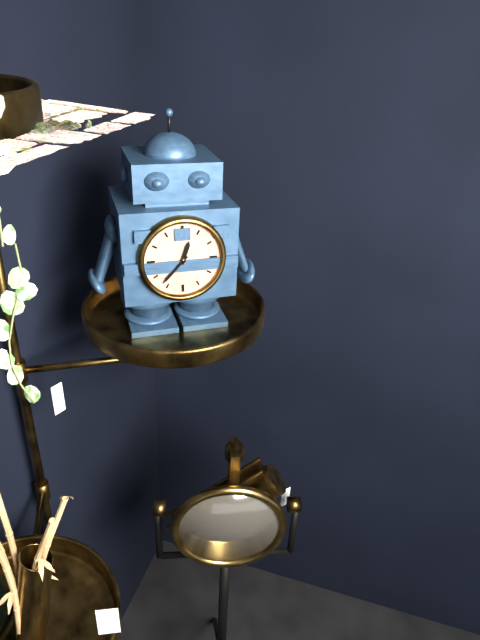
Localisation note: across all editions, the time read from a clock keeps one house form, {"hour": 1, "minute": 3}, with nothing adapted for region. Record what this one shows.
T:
{"hour": 12, "minute": 37}
